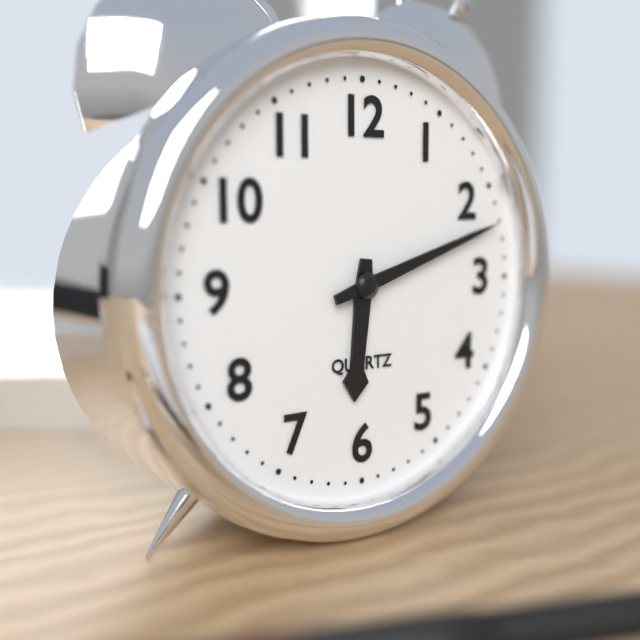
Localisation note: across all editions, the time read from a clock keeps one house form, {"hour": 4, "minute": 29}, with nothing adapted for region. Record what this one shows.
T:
{"hour": 6, "minute": 12}
